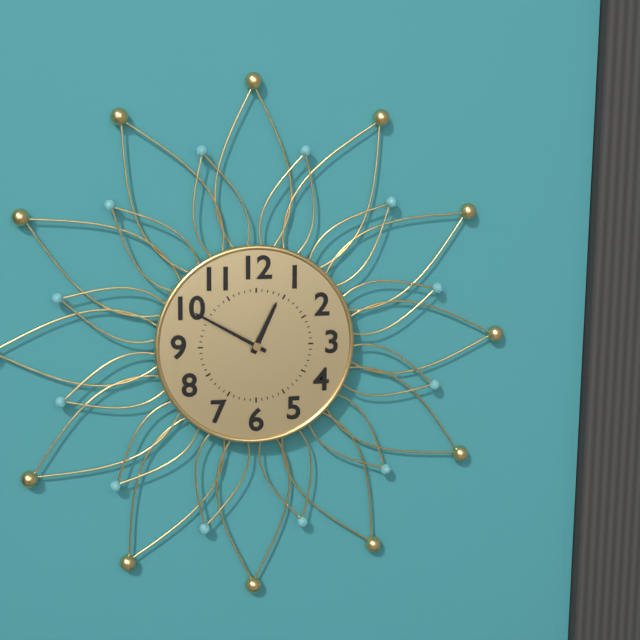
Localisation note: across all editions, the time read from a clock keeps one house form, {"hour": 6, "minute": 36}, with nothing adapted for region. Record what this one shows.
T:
{"hour": 12, "minute": 50}
